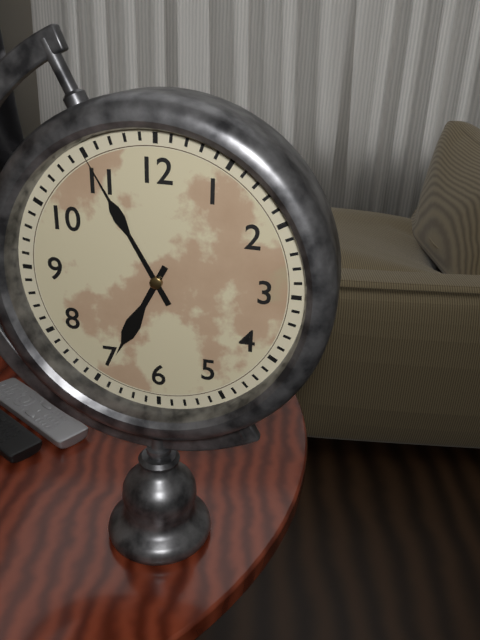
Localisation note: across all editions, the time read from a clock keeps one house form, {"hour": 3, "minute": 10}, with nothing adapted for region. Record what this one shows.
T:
{"hour": 6, "minute": 55}
